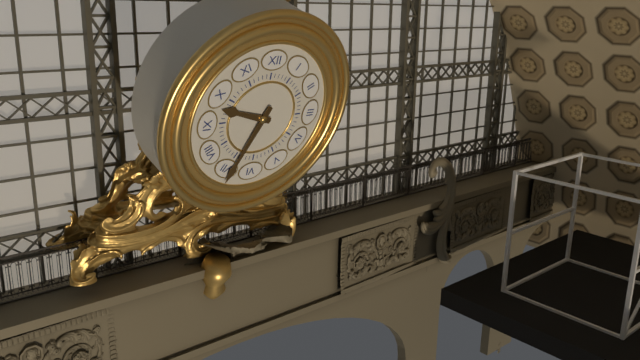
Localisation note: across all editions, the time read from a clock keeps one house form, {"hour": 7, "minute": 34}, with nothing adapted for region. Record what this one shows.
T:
{"hour": 9, "minute": 34}
